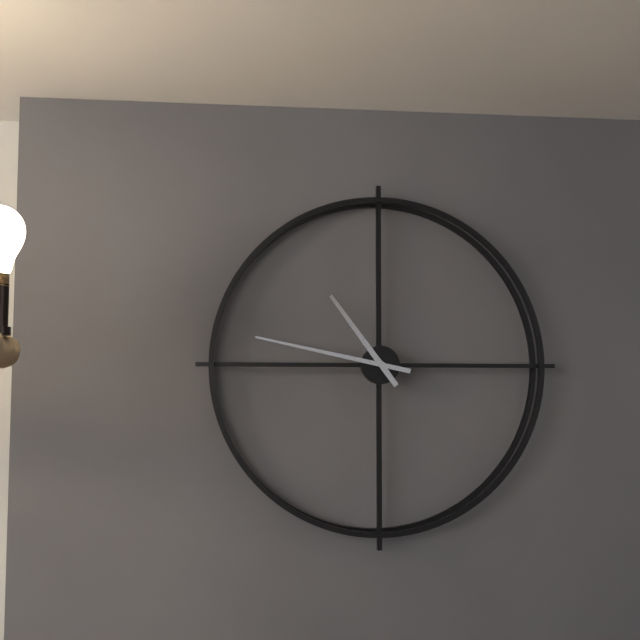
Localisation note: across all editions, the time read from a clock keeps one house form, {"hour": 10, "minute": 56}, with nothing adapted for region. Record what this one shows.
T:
{"hour": 10, "minute": 47}
